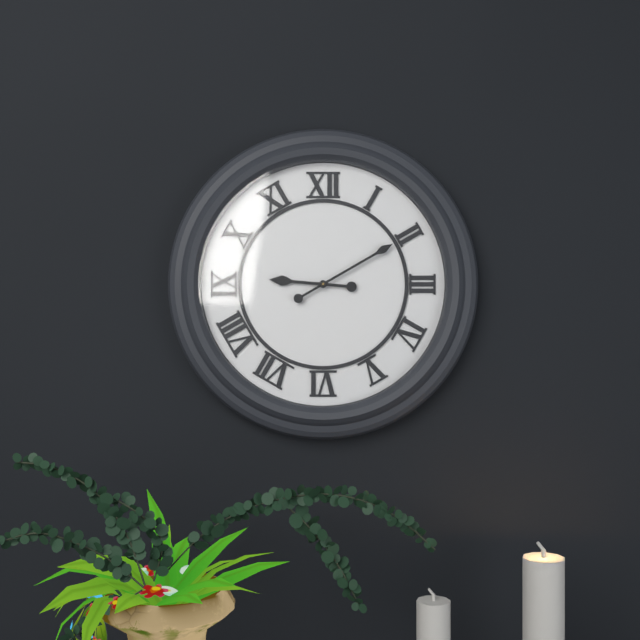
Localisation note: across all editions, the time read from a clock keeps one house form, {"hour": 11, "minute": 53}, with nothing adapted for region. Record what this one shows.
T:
{"hour": 9, "minute": 10}
